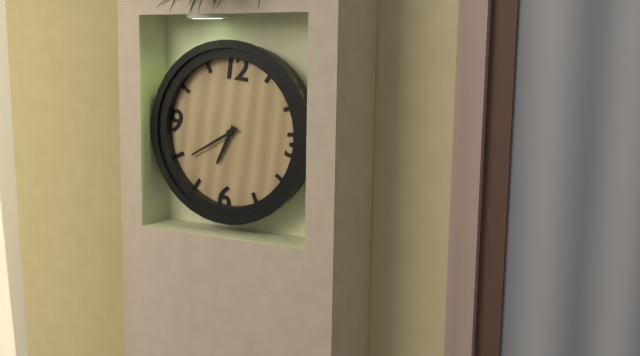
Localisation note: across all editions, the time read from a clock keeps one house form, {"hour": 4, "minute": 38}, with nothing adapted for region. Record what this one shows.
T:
{"hour": 6, "minute": 39}
